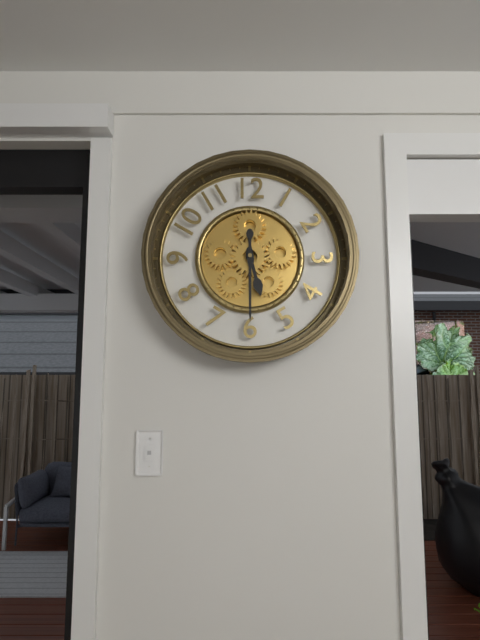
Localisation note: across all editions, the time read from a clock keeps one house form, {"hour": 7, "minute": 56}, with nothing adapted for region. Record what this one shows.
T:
{"hour": 5, "minute": 30}
